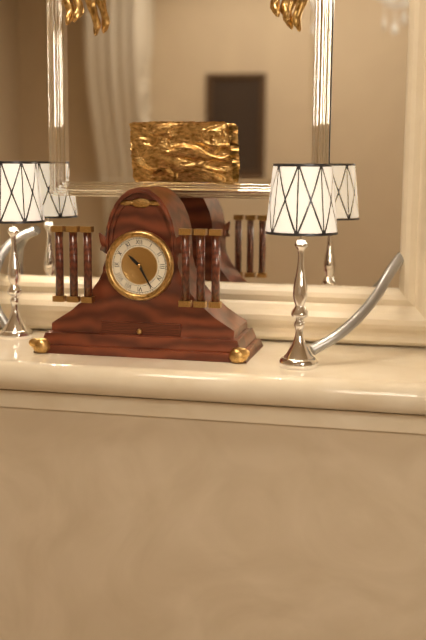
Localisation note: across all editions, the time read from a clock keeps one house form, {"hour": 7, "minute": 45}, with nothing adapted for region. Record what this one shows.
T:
{"hour": 10, "minute": 25}
